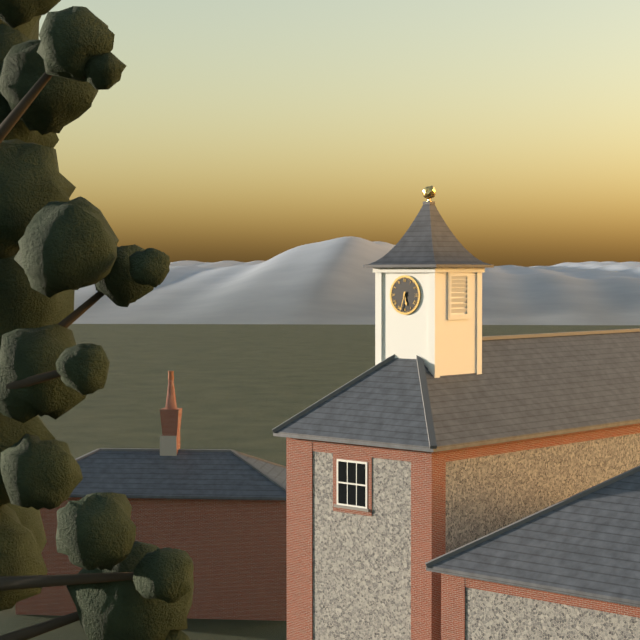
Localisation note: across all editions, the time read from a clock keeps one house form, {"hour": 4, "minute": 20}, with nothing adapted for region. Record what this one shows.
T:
{"hour": 5, "minute": 33}
